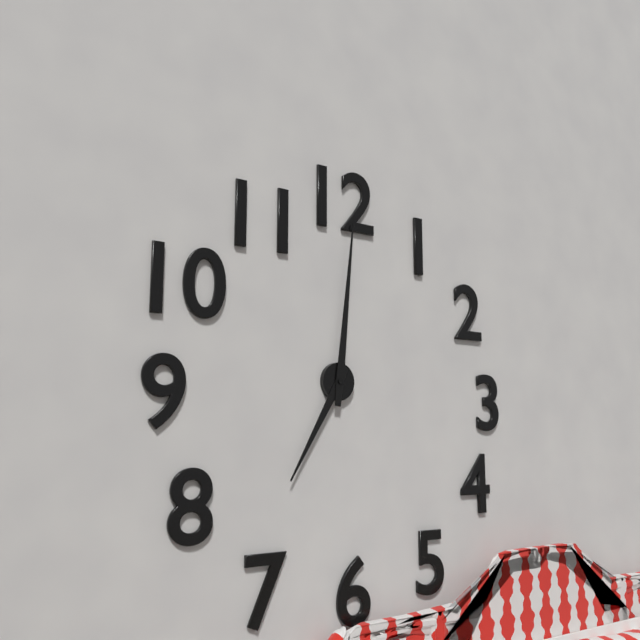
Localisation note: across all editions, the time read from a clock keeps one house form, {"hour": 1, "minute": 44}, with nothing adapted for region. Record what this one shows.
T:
{"hour": 7, "minute": 1}
